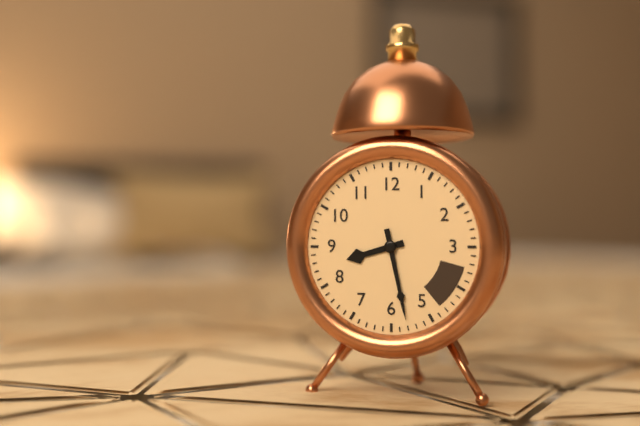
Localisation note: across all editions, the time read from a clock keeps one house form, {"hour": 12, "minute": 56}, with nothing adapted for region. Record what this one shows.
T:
{"hour": 8, "minute": 28}
